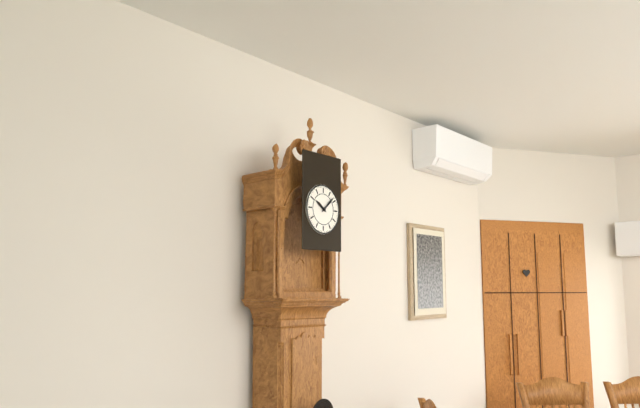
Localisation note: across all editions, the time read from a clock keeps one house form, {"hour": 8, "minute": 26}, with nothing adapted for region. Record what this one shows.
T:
{"hour": 10, "minute": 8}
